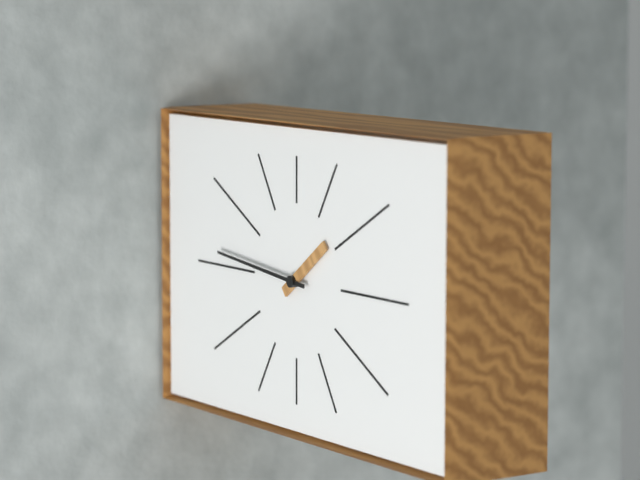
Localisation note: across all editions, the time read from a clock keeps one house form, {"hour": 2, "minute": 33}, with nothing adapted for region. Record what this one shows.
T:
{"hour": 1, "minute": 46}
